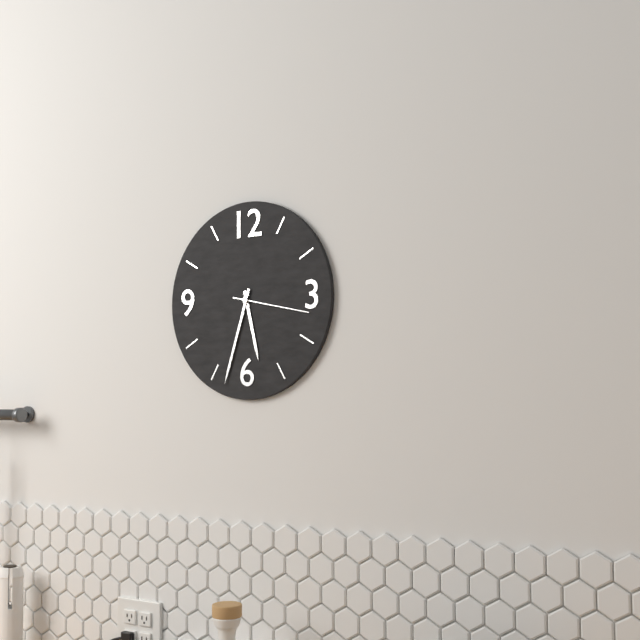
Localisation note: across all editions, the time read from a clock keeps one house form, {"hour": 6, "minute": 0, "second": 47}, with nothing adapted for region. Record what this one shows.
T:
{"hour": 5, "minute": 33, "second": 17}
